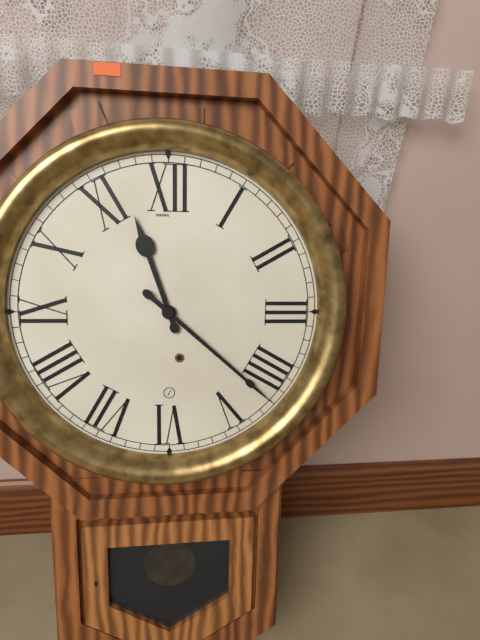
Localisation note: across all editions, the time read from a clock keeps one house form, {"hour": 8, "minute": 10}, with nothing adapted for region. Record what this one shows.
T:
{"hour": 11, "minute": 22}
